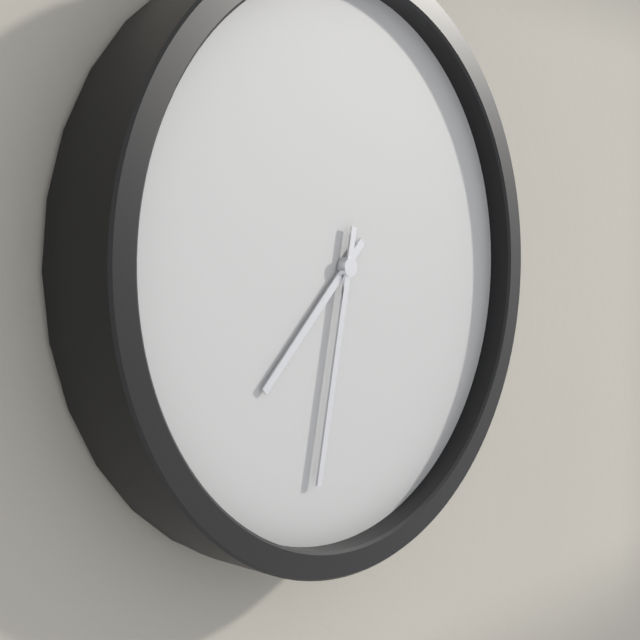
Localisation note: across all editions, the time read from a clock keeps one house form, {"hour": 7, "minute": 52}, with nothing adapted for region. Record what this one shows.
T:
{"hour": 7, "minute": 32}
